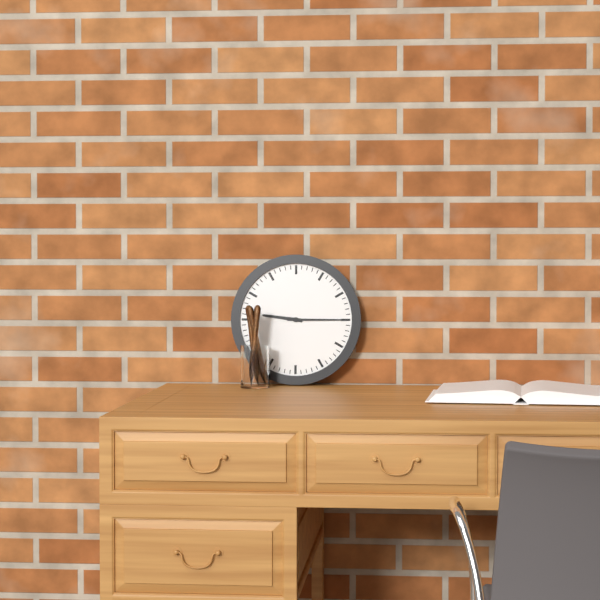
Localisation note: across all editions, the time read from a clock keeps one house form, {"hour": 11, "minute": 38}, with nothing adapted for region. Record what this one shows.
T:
{"hour": 9, "minute": 15}
